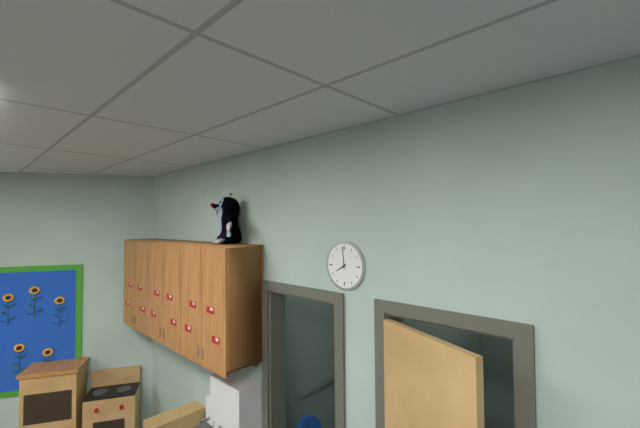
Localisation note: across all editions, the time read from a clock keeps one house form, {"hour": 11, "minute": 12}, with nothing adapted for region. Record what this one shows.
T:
{"hour": 7, "minute": 59}
